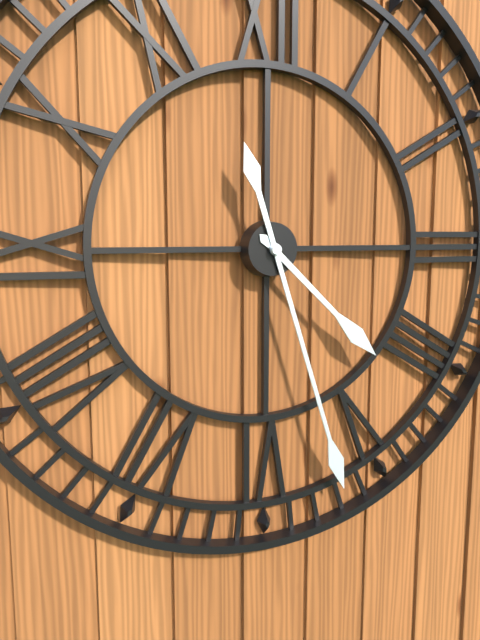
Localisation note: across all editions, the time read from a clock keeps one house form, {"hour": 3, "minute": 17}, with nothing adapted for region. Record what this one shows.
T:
{"hour": 4, "minute": 27}
